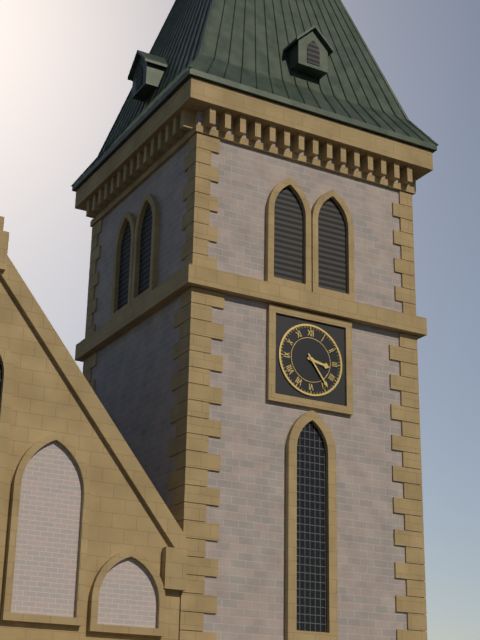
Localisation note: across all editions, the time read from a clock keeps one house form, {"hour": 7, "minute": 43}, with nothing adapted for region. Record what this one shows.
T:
{"hour": 3, "minute": 24}
